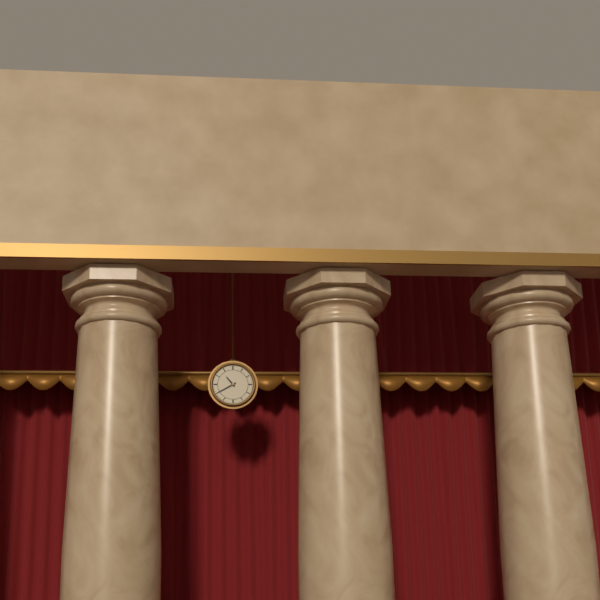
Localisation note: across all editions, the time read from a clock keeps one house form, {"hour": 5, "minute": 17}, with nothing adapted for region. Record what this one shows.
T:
{"hour": 10, "minute": 40}
